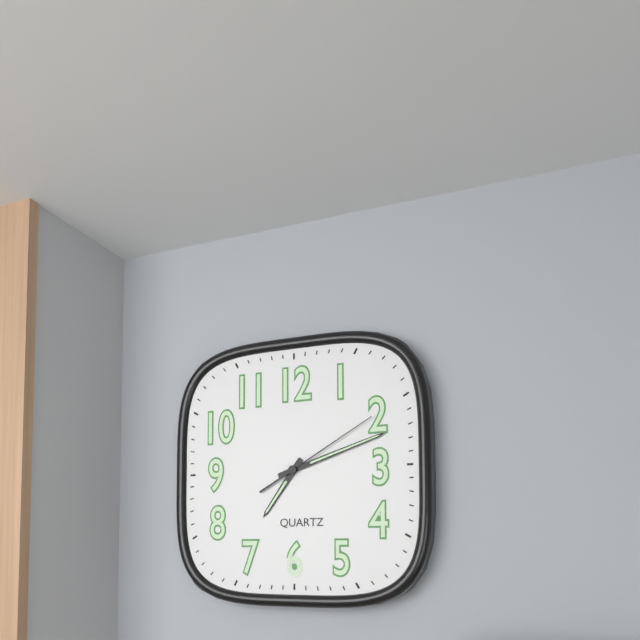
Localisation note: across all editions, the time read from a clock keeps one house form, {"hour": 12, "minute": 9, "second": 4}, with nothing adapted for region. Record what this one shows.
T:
{"hour": 7, "minute": 12, "second": 10}
